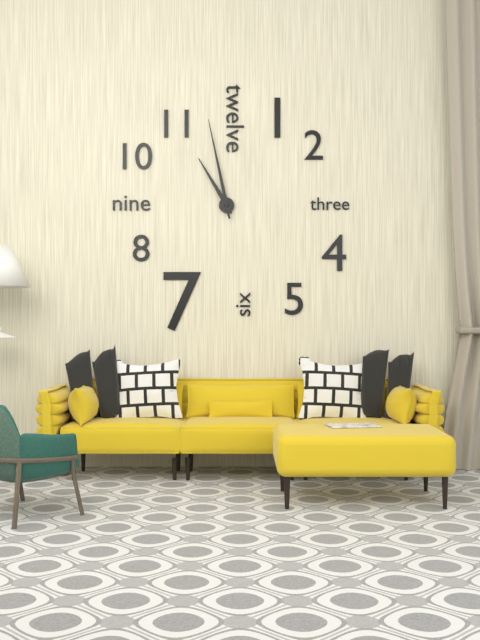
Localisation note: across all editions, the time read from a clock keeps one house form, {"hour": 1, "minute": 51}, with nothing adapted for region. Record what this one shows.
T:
{"hour": 10, "minute": 58}
